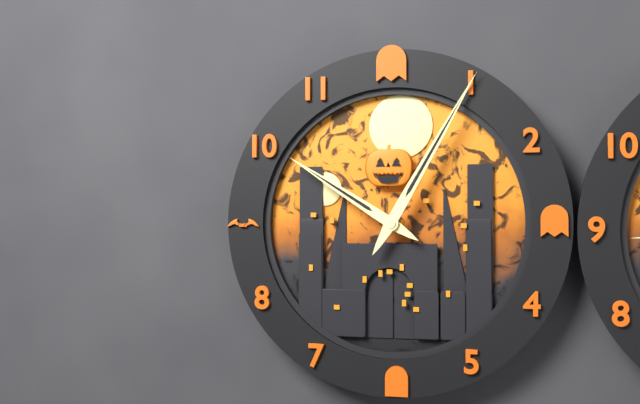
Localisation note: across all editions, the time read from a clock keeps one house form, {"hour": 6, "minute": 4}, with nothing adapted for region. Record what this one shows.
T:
{"hour": 10, "minute": 5}
